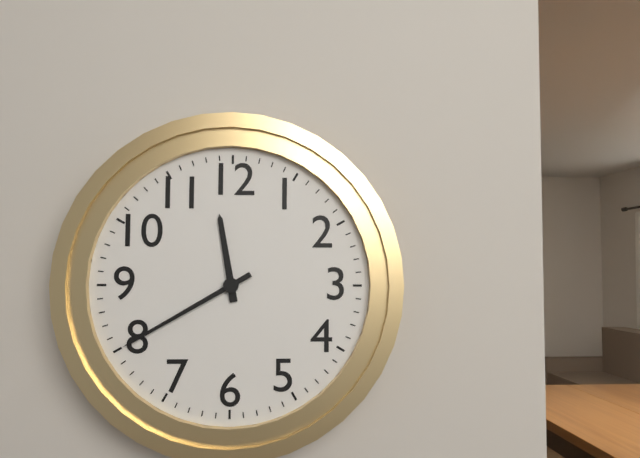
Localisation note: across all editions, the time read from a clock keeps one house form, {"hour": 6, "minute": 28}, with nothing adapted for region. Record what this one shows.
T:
{"hour": 11, "minute": 40}
